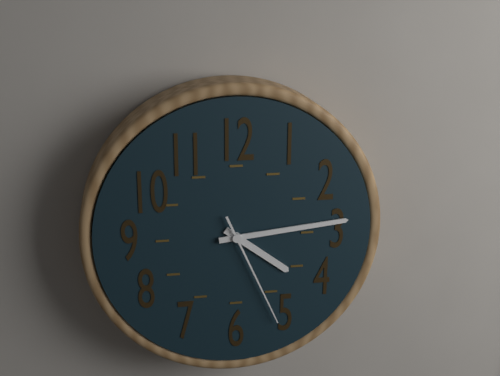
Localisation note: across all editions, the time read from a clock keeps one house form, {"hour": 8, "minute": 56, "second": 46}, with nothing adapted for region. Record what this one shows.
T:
{"hour": 4, "minute": 14, "second": 26}
